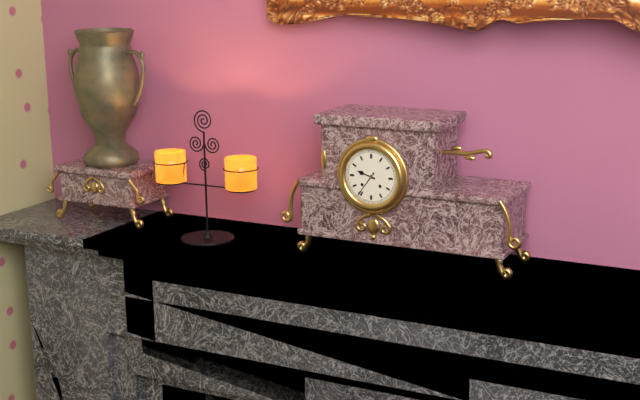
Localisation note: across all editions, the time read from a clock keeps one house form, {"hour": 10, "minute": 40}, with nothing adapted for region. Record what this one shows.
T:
{"hour": 9, "minute": 36}
